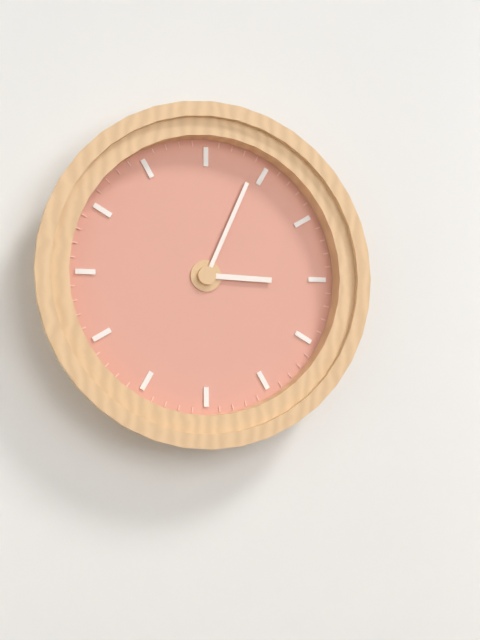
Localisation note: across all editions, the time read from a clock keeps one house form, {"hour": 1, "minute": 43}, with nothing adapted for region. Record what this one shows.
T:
{"hour": 3, "minute": 4}
